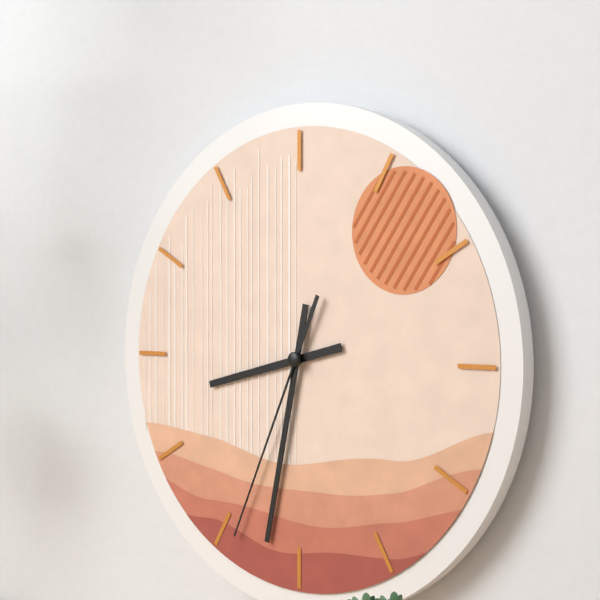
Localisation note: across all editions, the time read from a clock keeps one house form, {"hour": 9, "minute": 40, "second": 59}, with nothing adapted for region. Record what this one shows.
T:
{"hour": 8, "minute": 32, "second": 34}
